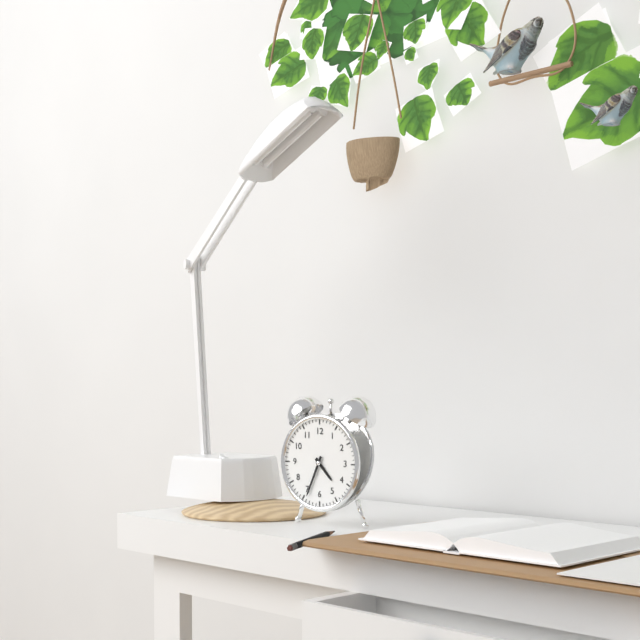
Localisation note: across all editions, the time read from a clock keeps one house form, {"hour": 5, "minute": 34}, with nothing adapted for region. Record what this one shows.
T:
{"hour": 4, "minute": 34}
